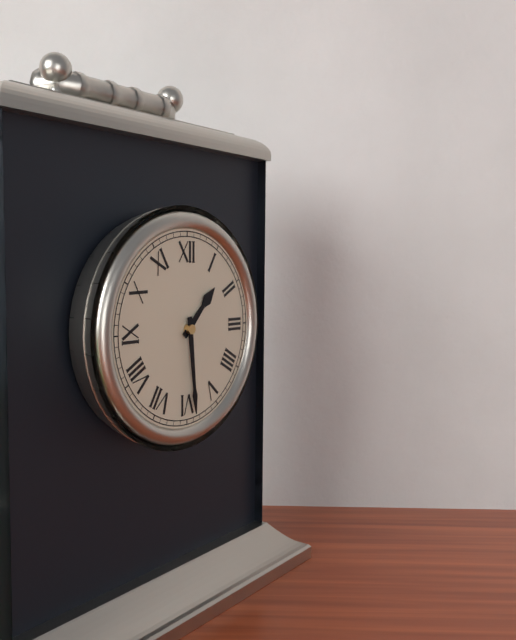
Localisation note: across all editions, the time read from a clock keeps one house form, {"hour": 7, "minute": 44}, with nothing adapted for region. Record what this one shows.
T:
{"hour": 1, "minute": 29}
